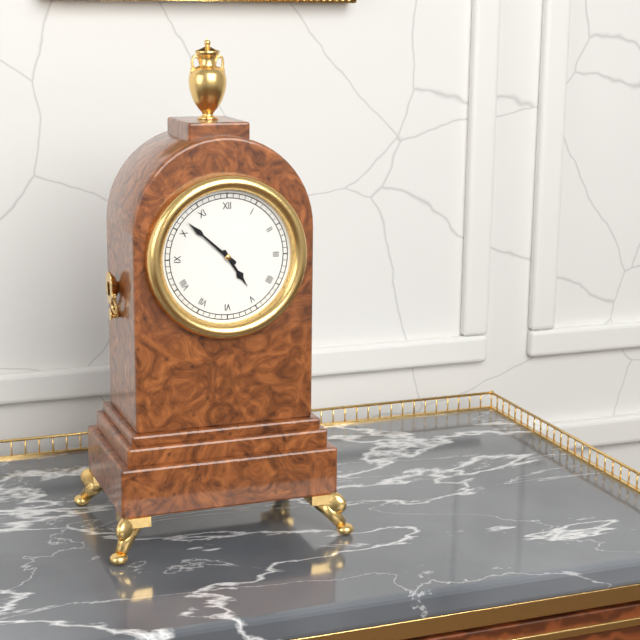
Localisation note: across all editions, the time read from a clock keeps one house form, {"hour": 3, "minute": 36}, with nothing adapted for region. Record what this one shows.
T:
{"hour": 4, "minute": 52}
